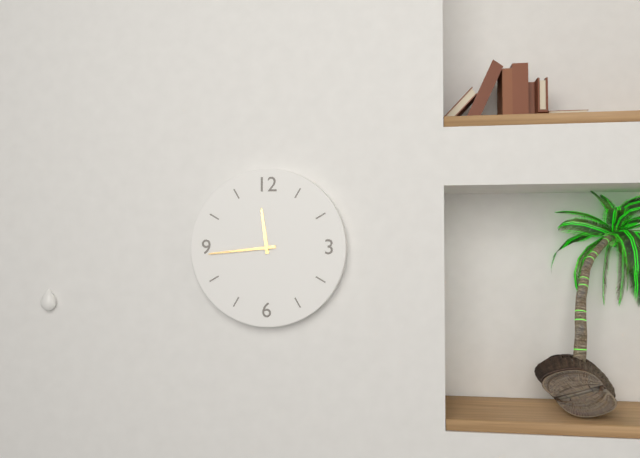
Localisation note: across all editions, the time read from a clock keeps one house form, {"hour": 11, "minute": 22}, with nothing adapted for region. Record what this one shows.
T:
{"hour": 11, "minute": 44}
